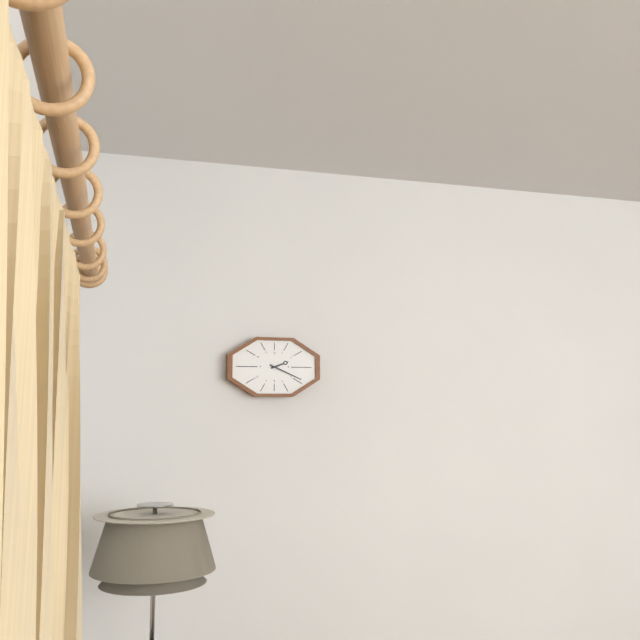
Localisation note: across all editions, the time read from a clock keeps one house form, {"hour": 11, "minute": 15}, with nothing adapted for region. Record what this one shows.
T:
{"hour": 2, "minute": 19}
